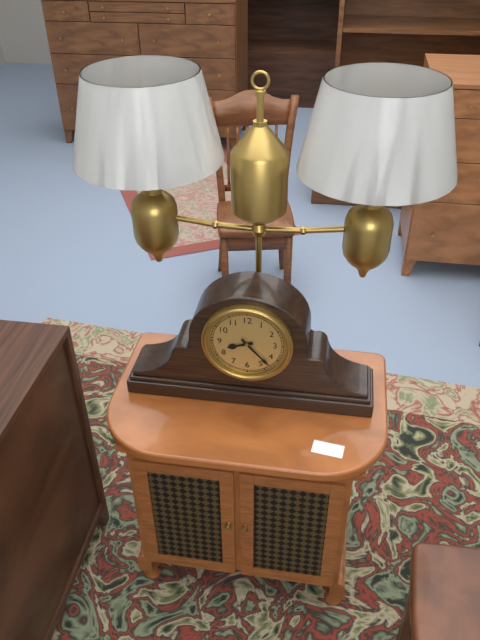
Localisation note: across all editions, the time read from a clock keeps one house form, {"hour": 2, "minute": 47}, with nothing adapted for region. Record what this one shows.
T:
{"hour": 8, "minute": 23}
